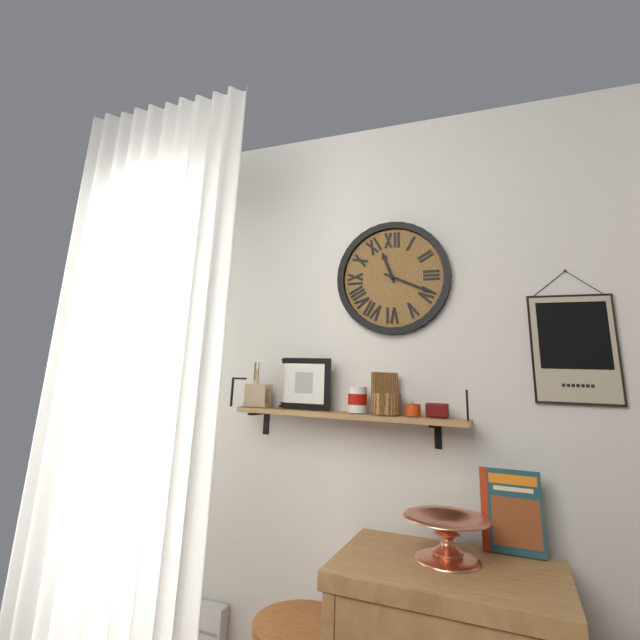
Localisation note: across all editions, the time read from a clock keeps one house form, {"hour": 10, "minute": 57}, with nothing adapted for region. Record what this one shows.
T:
{"hour": 11, "minute": 19}
